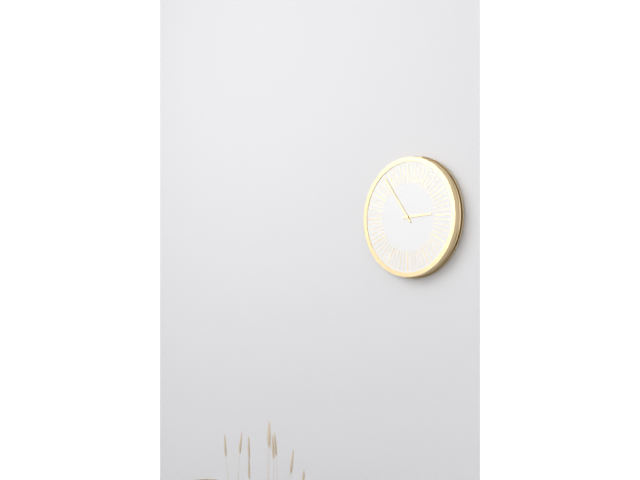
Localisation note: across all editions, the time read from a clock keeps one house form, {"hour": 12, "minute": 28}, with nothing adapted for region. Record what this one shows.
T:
{"hour": 2, "minute": 54}
